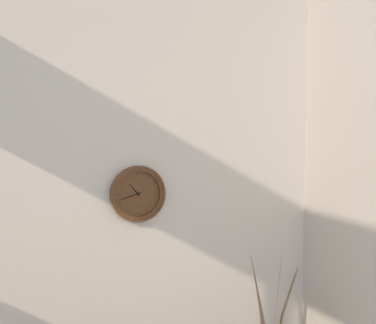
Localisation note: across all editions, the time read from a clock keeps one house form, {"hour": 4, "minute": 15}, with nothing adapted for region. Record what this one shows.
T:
{"hour": 10, "minute": 42}
